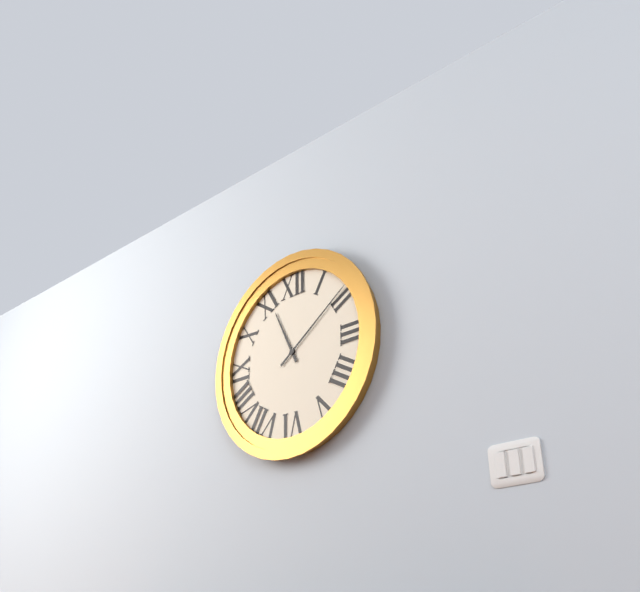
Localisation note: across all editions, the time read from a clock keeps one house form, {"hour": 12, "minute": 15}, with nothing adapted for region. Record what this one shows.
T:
{"hour": 11, "minute": 9}
